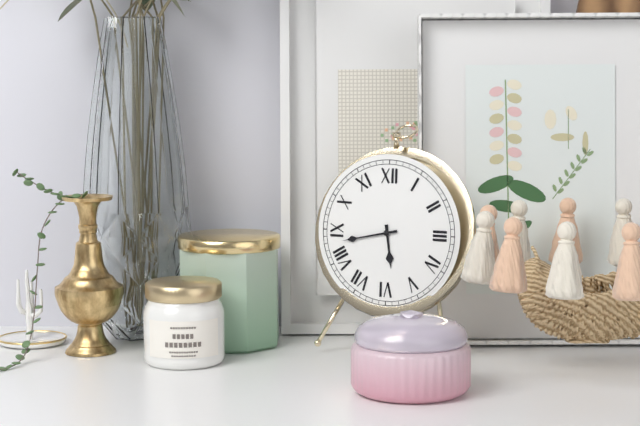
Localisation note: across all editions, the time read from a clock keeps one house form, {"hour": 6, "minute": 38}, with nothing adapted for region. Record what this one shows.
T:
{"hour": 5, "minute": 43}
